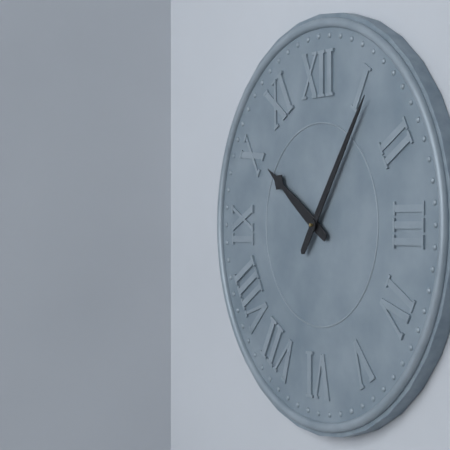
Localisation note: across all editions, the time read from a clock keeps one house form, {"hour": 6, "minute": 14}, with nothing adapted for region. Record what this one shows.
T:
{"hour": 10, "minute": 6}
